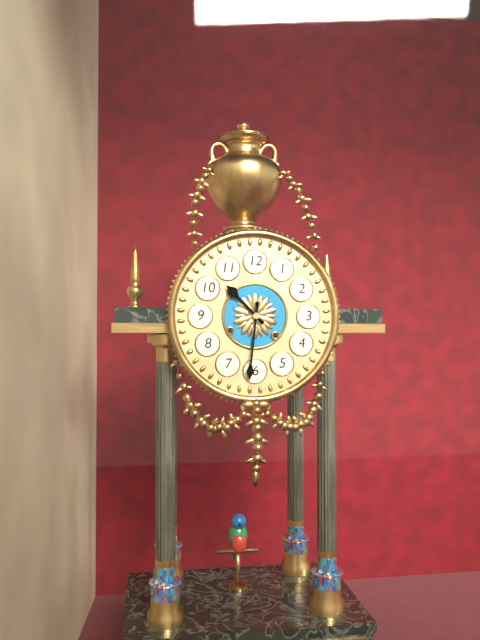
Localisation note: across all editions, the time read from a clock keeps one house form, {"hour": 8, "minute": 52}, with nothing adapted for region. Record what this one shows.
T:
{"hour": 10, "minute": 31}
